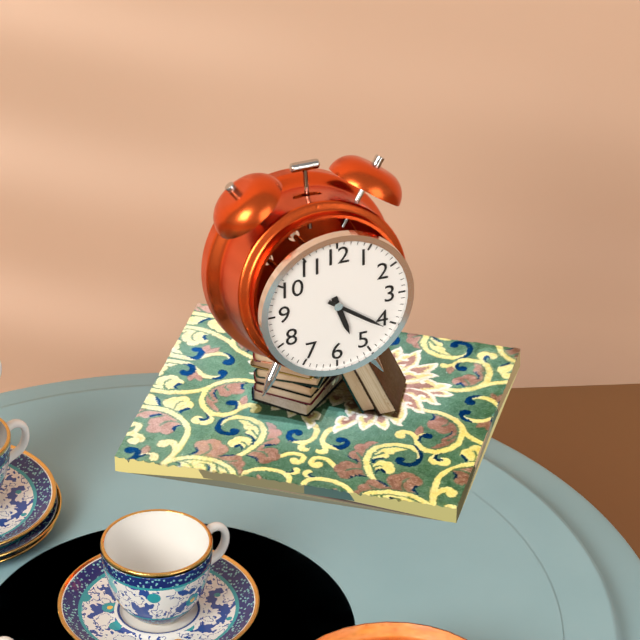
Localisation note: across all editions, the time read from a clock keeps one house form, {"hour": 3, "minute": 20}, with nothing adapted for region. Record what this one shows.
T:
{"hour": 5, "minute": 21}
